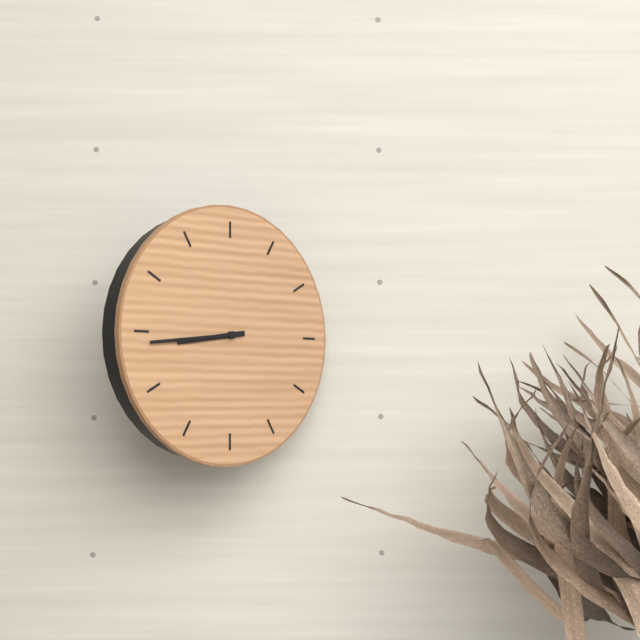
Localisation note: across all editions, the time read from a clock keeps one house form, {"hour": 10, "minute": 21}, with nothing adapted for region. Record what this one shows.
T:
{"hour": 8, "minute": 44}
